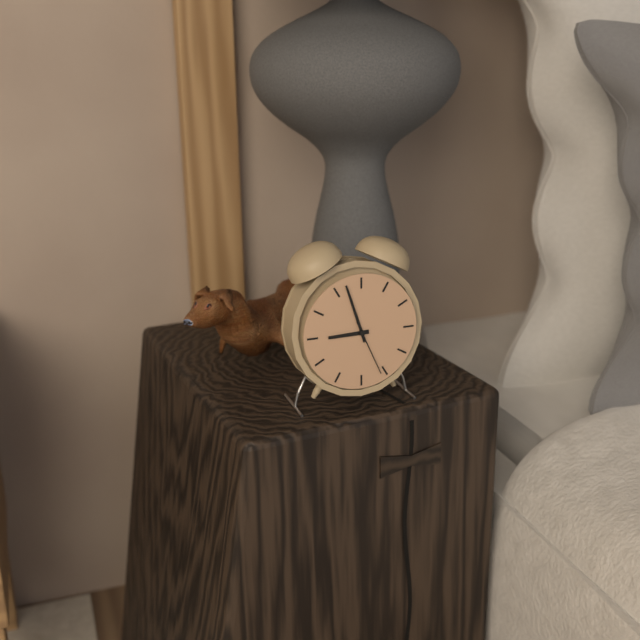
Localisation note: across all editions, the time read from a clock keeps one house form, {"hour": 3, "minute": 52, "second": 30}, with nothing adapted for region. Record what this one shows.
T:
{"hour": 8, "minute": 57, "second": 26}
